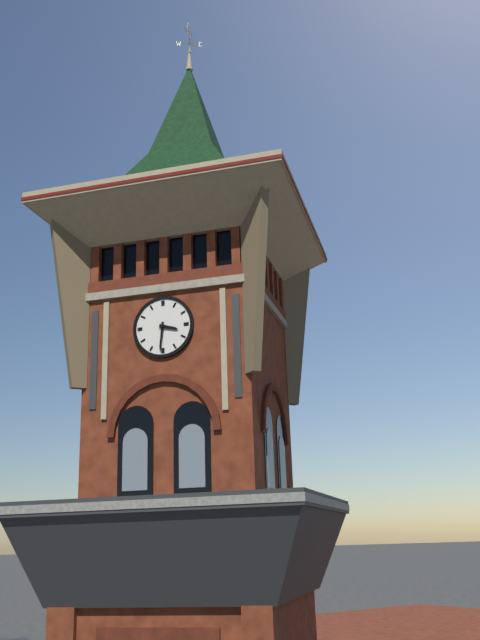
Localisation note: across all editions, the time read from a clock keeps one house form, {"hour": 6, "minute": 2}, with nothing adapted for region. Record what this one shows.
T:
{"hour": 3, "minute": 31}
